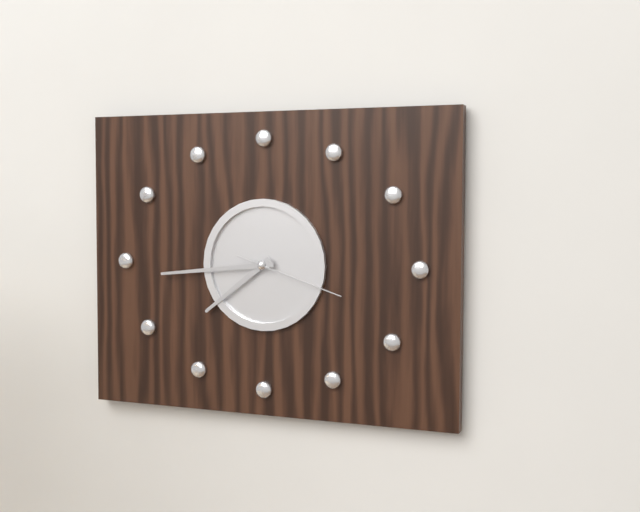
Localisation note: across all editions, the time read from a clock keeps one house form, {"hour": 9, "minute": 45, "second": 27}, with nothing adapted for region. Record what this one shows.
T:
{"hour": 7, "minute": 44, "second": 18}
